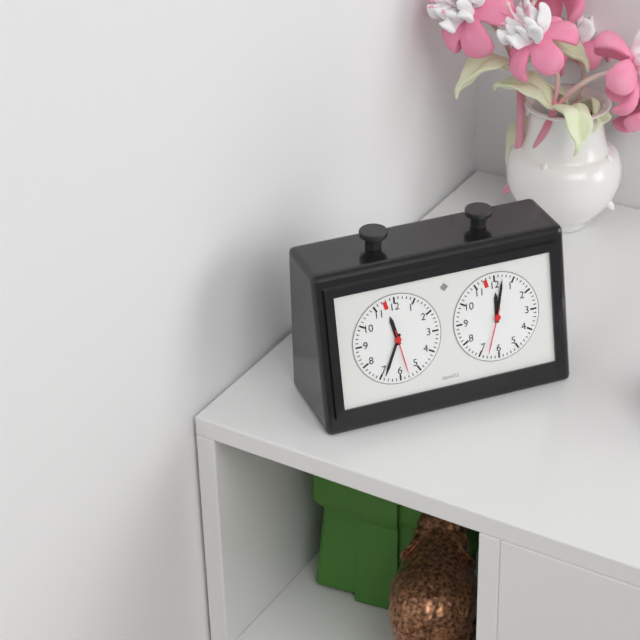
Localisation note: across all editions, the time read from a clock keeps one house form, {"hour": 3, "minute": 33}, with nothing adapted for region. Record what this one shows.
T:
{"hour": 11, "minute": 34}
